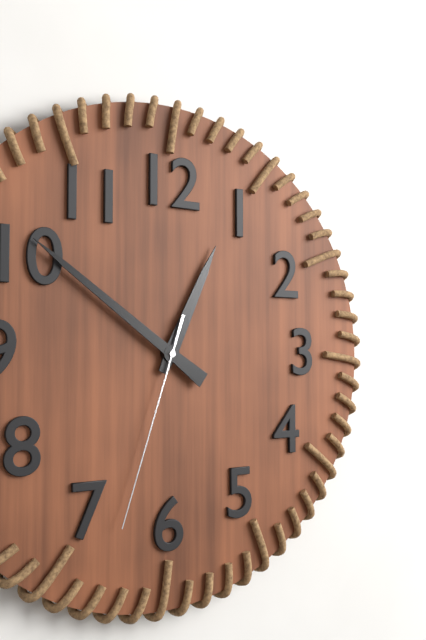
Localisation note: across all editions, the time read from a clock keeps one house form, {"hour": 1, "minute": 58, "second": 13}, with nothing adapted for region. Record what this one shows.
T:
{"hour": 12, "minute": 51, "second": 33}
